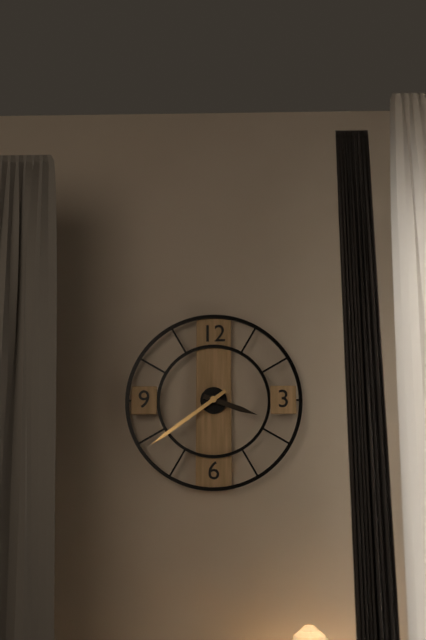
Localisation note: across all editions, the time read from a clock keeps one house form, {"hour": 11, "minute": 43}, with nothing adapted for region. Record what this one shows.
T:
{"hour": 3, "minute": 39}
